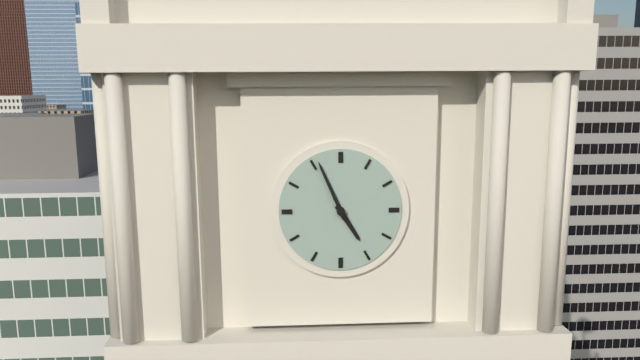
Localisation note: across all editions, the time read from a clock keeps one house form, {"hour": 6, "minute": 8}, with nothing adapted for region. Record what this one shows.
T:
{"hour": 4, "minute": 56}
